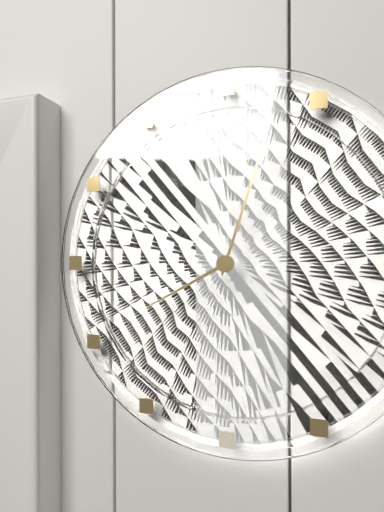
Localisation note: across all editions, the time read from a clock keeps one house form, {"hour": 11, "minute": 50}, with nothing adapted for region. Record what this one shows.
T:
{"hour": 8, "minute": 3}
